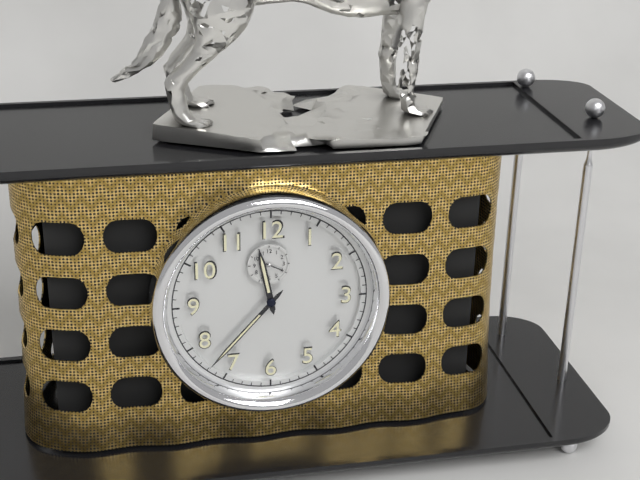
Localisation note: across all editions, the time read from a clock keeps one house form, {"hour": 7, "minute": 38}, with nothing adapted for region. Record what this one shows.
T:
{"hour": 11, "minute": 37}
